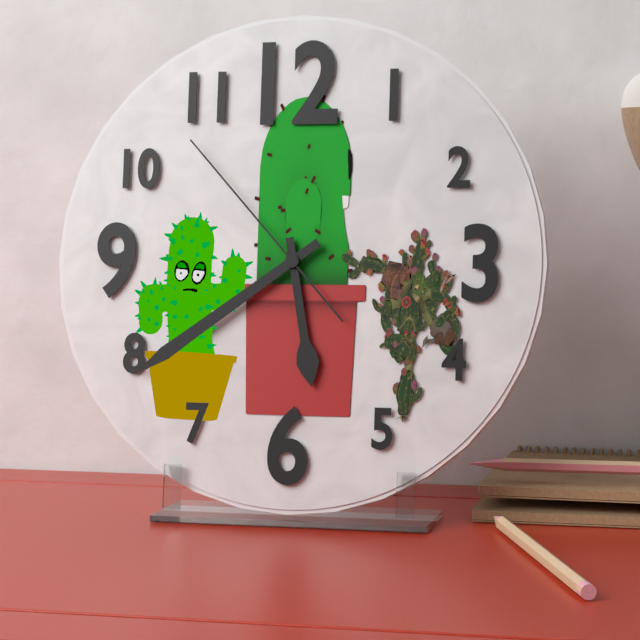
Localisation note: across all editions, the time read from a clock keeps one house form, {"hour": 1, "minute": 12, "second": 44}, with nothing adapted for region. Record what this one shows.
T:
{"hour": 5, "minute": 39, "second": 53}
